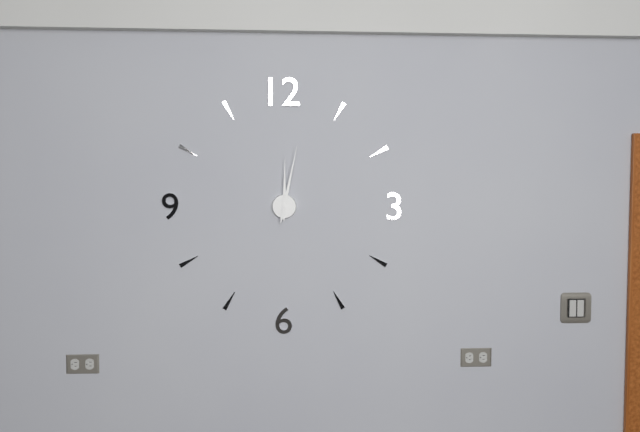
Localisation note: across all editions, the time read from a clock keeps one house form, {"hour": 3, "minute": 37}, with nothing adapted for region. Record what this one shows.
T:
{"hour": 12, "minute": 2}
